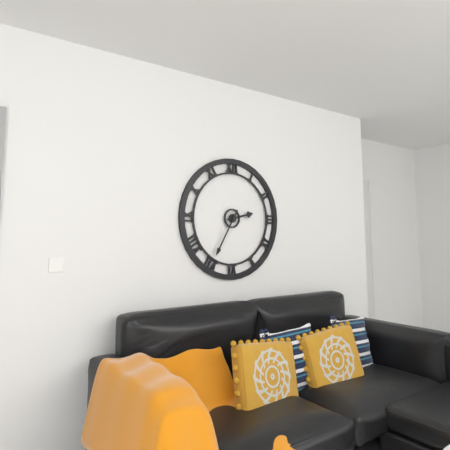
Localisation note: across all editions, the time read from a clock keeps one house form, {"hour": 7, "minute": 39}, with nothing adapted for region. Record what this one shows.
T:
{"hour": 2, "minute": 35}
